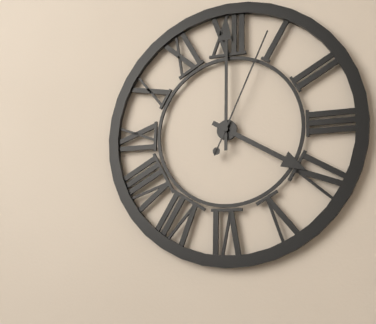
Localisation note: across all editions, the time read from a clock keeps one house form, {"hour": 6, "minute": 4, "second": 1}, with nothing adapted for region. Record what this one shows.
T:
{"hour": 4, "minute": 0, "second": 4}
